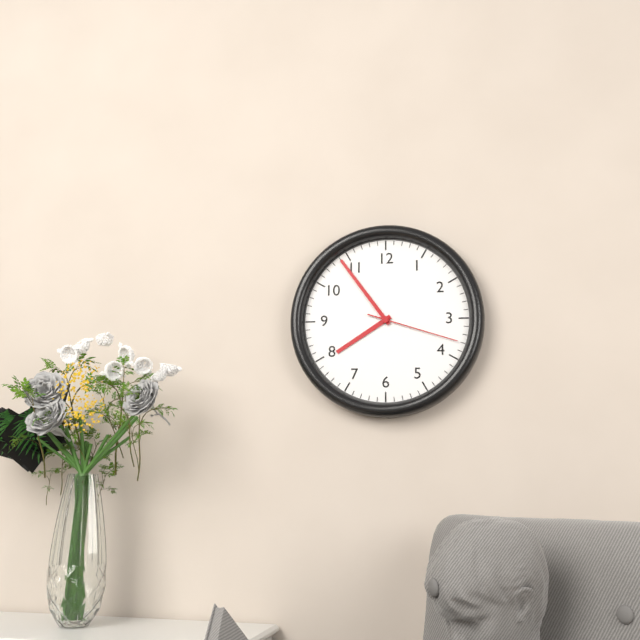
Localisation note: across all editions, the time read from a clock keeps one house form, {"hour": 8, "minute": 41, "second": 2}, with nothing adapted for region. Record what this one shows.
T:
{"hour": 7, "minute": 54, "second": 18}
